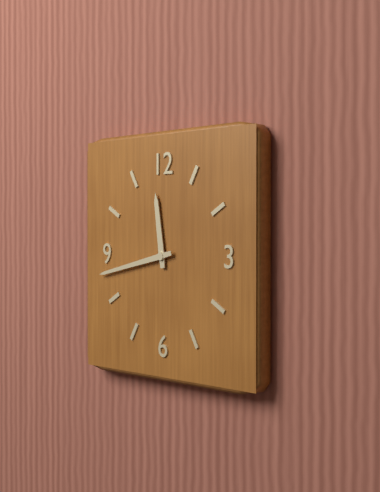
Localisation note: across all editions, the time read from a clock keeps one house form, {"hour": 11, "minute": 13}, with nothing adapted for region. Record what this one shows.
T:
{"hour": 11, "minute": 43}
